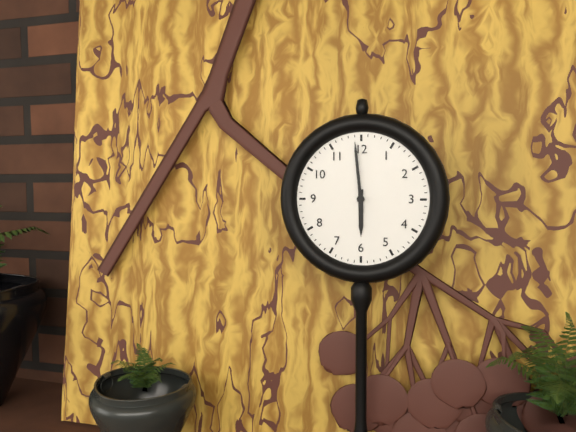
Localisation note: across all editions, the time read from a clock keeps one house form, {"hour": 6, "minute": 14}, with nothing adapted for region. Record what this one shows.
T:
{"hour": 5, "minute": 59}
